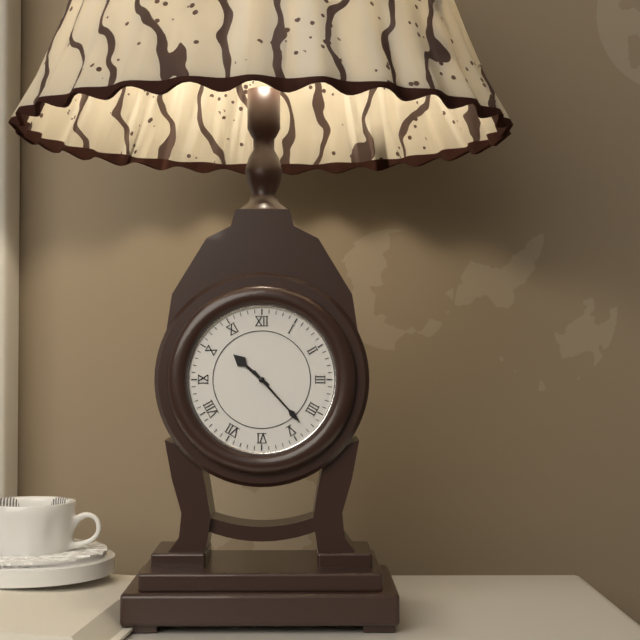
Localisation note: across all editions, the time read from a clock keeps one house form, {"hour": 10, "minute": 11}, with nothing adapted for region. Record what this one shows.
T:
{"hour": 10, "minute": 23}
